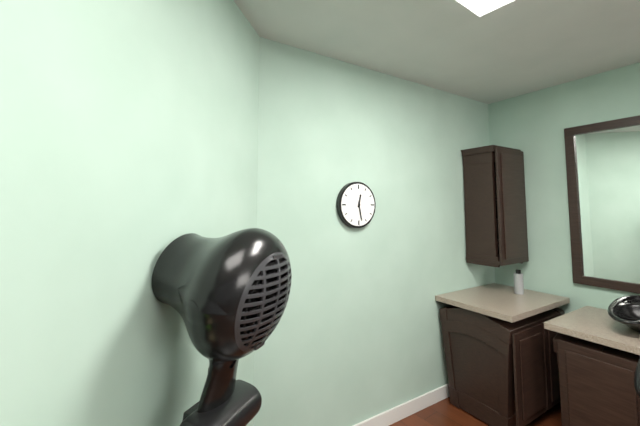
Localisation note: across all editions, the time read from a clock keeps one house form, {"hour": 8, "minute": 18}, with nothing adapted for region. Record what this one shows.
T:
{"hour": 12, "minute": 28}
